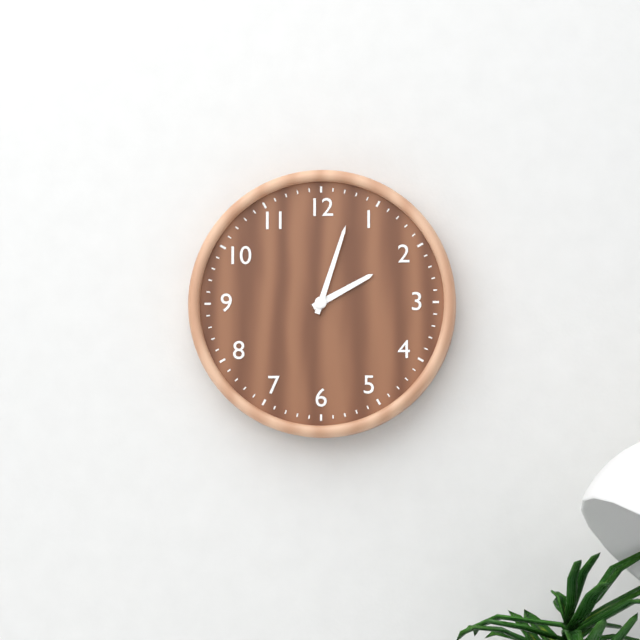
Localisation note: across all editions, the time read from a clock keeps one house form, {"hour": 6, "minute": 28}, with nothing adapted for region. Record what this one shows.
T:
{"hour": 2, "minute": 3}
